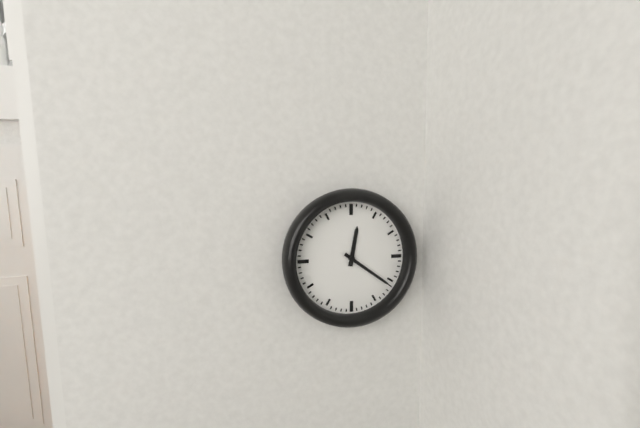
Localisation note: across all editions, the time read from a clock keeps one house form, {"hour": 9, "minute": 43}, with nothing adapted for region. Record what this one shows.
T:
{"hour": 12, "minute": 21}
